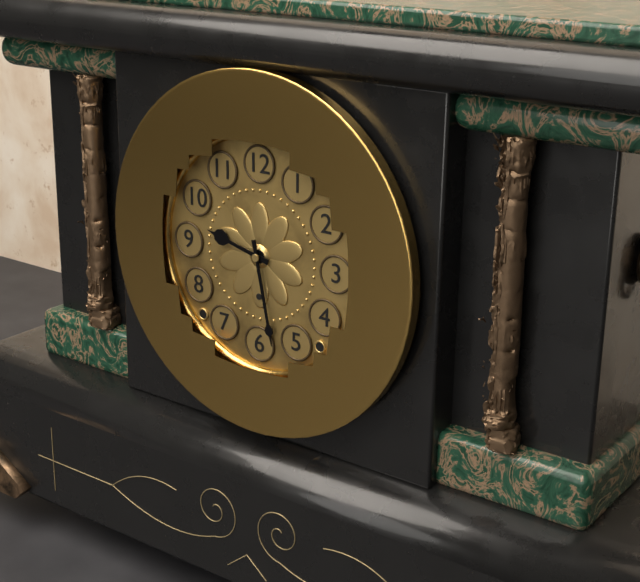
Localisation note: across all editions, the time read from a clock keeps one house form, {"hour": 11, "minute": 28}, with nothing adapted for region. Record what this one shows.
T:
{"hour": 9, "minute": 28}
